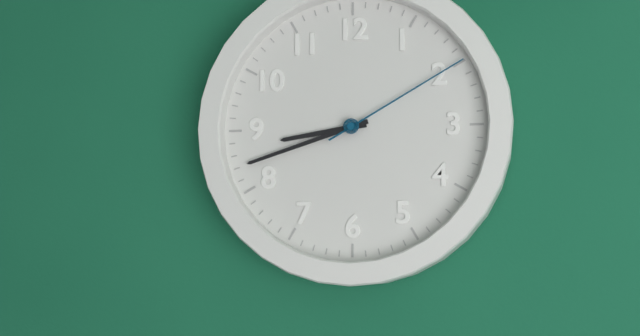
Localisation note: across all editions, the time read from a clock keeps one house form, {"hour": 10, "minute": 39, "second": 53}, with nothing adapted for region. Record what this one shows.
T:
{"hour": 8, "minute": 42, "second": 10}
